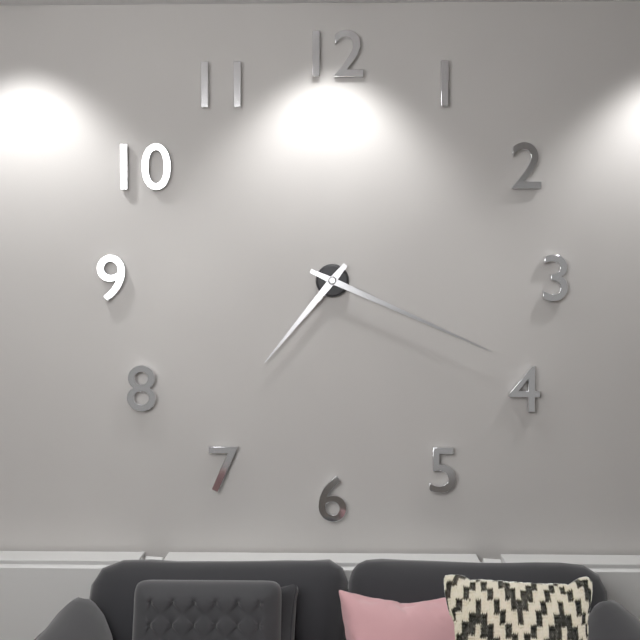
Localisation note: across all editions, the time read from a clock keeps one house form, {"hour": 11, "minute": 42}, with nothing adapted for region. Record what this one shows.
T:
{"hour": 7, "minute": 19}
